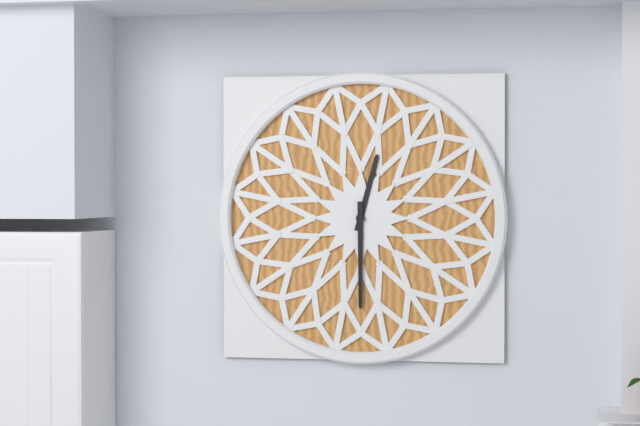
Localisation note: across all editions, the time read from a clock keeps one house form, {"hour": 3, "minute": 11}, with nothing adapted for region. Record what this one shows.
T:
{"hour": 12, "minute": 30}
